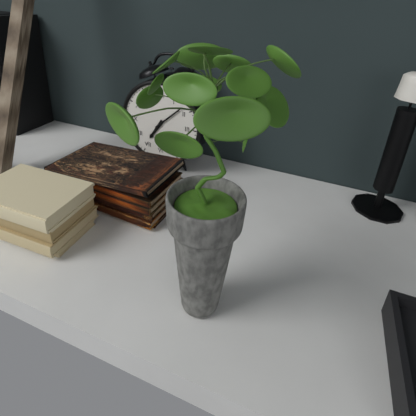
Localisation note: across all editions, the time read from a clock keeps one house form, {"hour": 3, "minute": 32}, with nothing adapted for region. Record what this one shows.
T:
{"hour": 7, "minute": 8}
